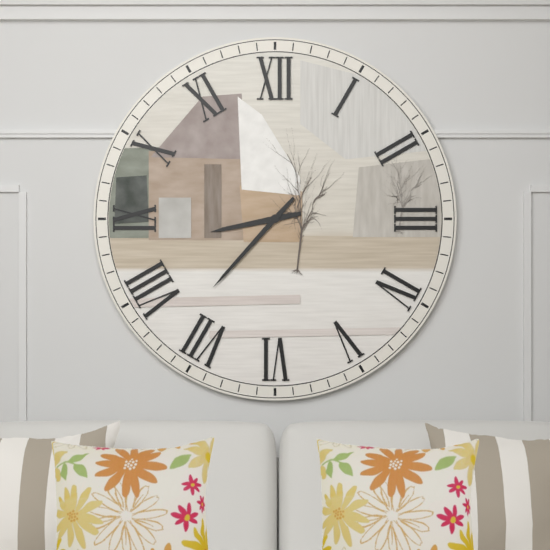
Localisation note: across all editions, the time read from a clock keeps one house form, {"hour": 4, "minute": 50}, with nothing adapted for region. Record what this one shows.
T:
{"hour": 8, "minute": 37}
